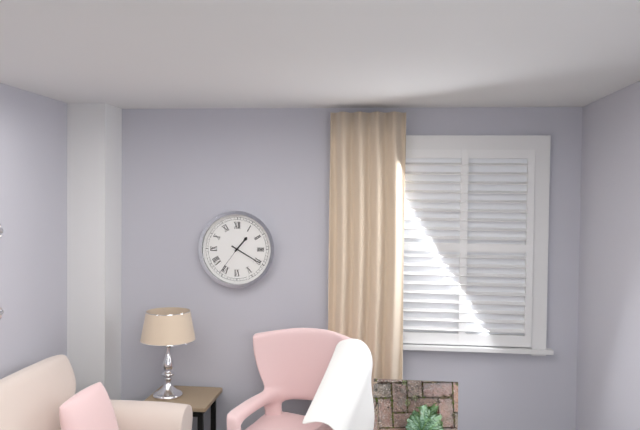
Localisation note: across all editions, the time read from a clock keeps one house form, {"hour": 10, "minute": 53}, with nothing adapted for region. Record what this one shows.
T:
{"hour": 1, "minute": 20}
